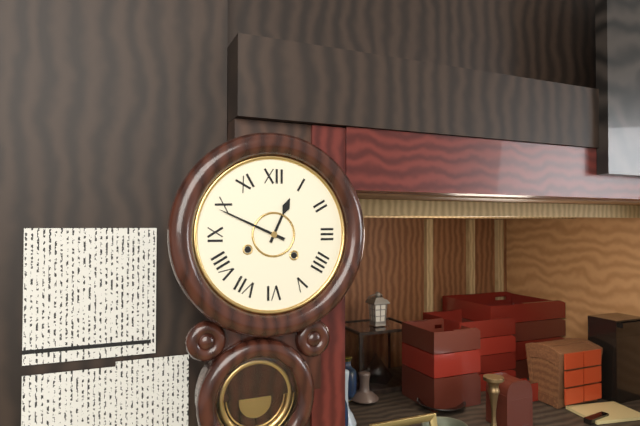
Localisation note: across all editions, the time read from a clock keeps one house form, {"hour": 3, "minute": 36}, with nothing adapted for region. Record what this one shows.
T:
{"hour": 12, "minute": 49}
